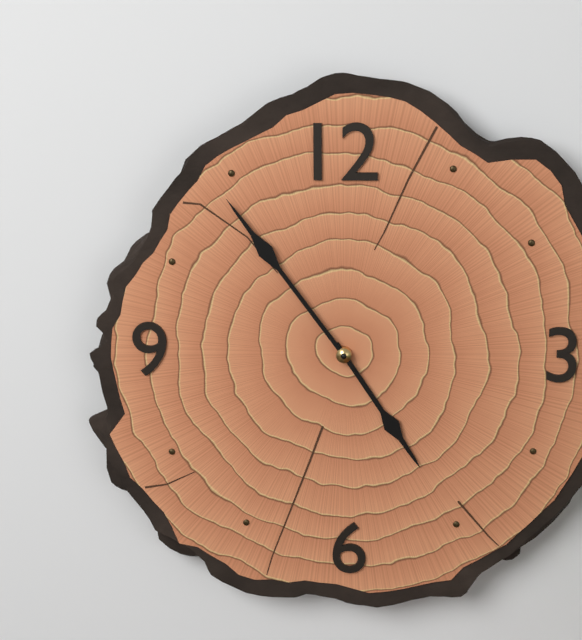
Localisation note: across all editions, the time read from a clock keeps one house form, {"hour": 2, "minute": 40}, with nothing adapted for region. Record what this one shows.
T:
{"hour": 4, "minute": 54}
